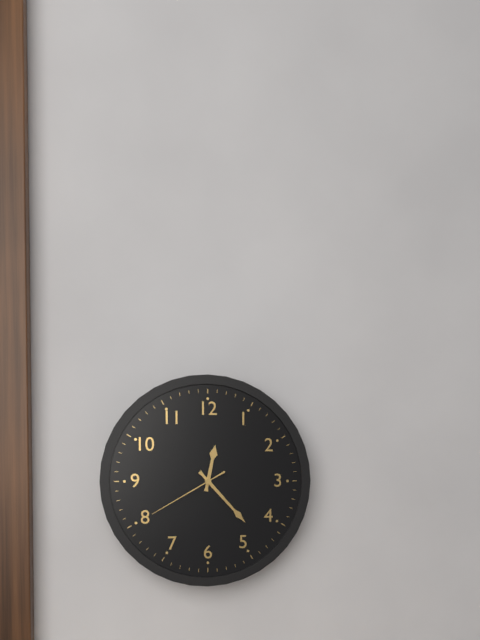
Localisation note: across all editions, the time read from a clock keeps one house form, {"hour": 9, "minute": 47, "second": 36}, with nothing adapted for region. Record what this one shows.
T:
{"hour": 12, "minute": 23, "second": 40}
